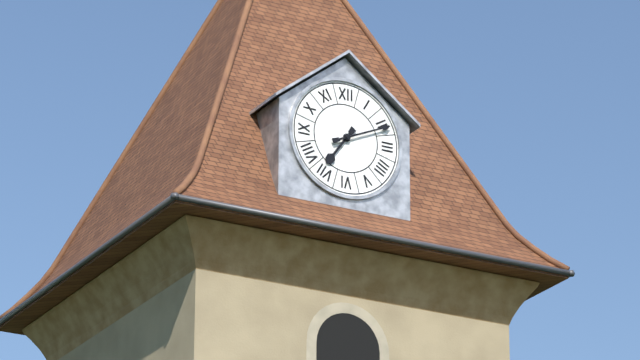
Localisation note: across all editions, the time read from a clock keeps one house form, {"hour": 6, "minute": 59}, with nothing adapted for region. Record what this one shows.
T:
{"hour": 7, "minute": 11}
